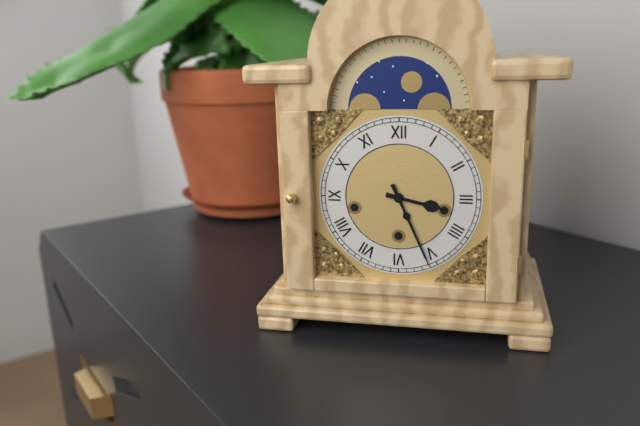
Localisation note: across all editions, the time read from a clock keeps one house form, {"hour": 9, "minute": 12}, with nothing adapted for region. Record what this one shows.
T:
{"hour": 3, "minute": 26}
